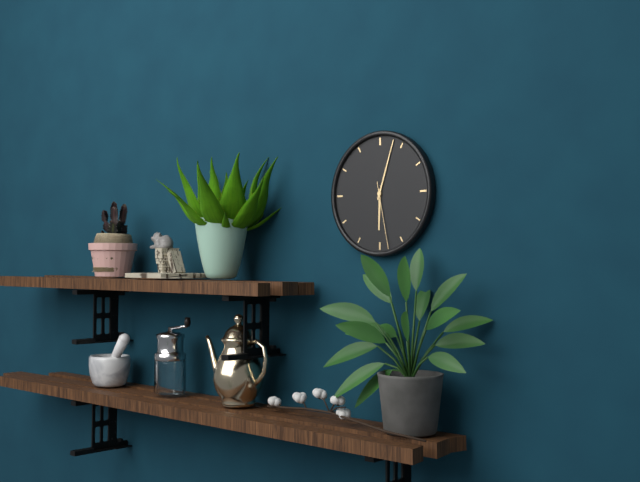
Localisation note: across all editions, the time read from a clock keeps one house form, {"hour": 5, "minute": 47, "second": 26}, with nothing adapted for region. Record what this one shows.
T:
{"hour": 6, "minute": 3, "second": 28}
